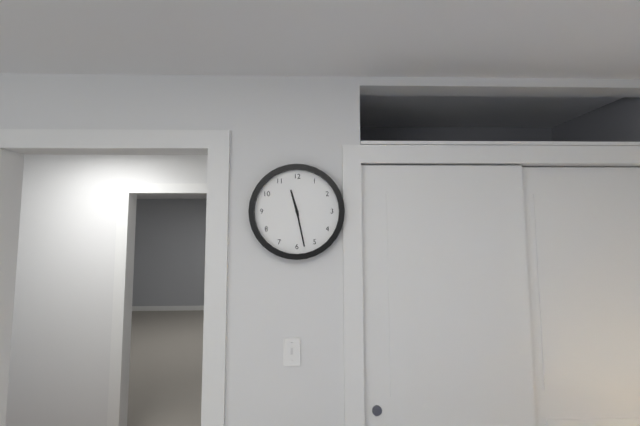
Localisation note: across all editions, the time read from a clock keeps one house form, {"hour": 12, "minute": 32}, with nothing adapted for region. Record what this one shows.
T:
{"hour": 11, "minute": 28}
